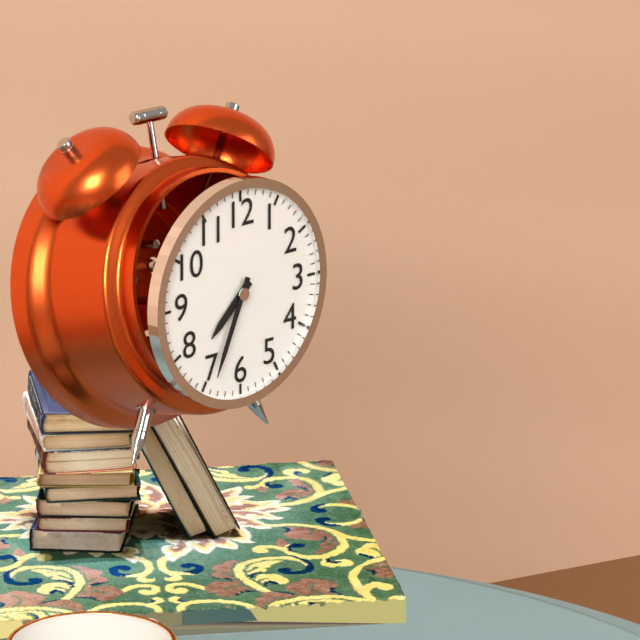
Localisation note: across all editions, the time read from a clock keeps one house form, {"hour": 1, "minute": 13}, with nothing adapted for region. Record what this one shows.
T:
{"hour": 7, "minute": 34}
